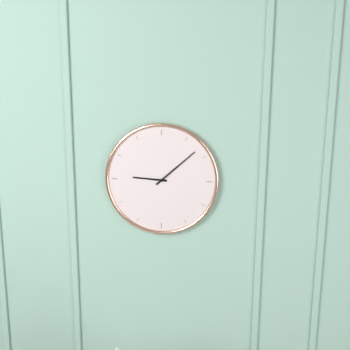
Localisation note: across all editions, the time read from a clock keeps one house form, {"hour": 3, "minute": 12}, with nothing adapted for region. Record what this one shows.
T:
{"hour": 9, "minute": 8}
